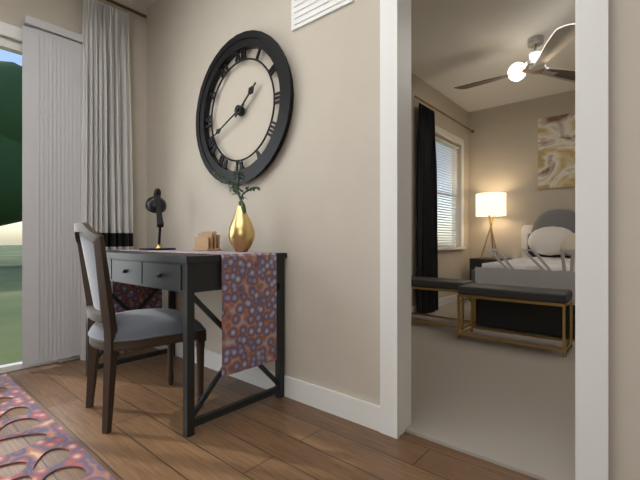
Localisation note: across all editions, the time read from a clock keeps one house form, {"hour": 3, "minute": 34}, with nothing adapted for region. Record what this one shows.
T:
{"hour": 1, "minute": 41}
